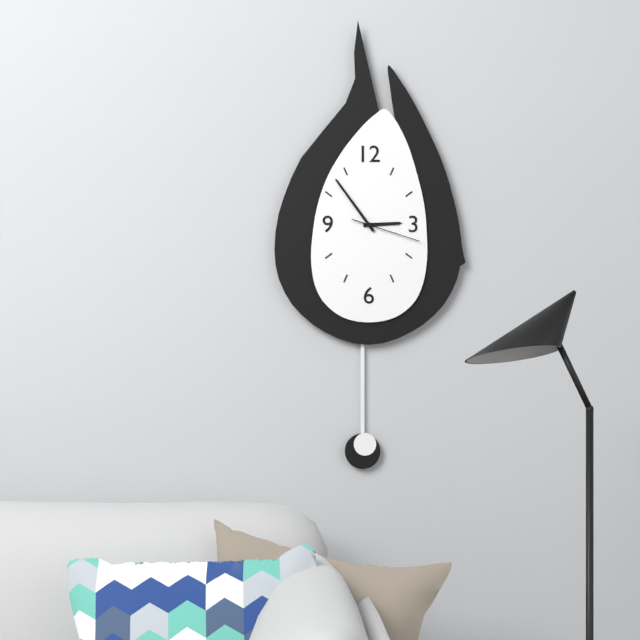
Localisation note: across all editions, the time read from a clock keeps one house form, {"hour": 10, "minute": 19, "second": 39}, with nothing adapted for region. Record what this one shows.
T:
{"hour": 2, "minute": 54, "second": 18}
